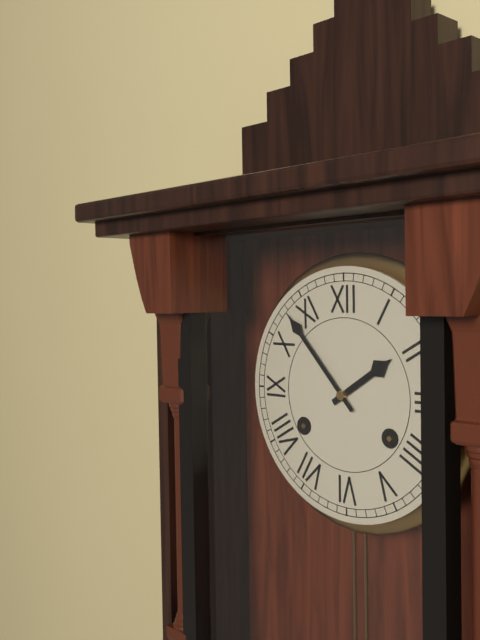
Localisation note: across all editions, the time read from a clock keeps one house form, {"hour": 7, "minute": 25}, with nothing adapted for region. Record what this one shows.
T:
{"hour": 1, "minute": 53}
